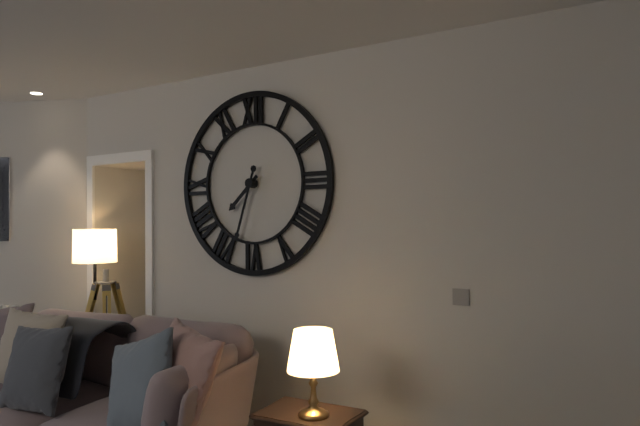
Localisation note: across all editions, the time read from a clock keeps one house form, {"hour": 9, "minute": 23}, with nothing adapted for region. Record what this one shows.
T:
{"hour": 7, "minute": 33}
